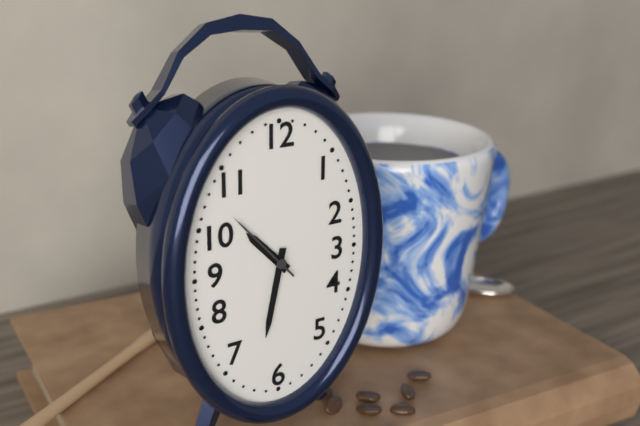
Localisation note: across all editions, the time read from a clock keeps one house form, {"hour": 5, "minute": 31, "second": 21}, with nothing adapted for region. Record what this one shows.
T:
{"hour": 10, "minute": 32, "second": 53}
